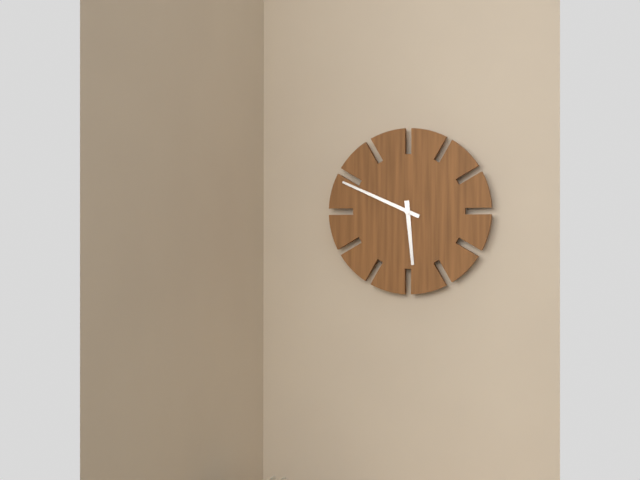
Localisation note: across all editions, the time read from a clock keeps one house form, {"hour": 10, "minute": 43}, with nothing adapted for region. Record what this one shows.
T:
{"hour": 5, "minute": 49}
